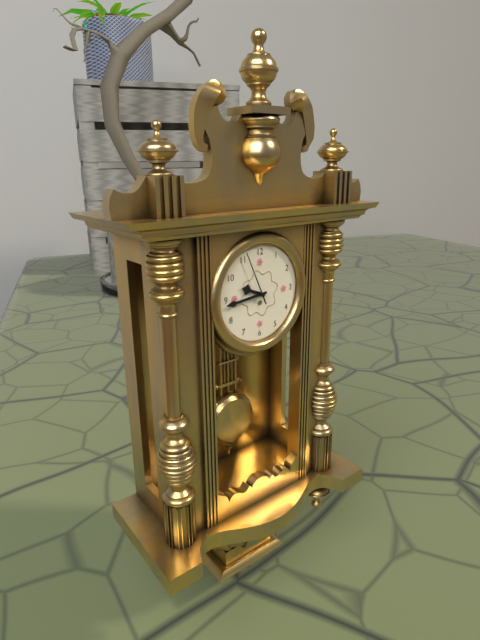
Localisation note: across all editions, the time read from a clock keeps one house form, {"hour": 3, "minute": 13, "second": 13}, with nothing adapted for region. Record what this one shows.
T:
{"hour": 9, "minute": 44, "second": 56}
